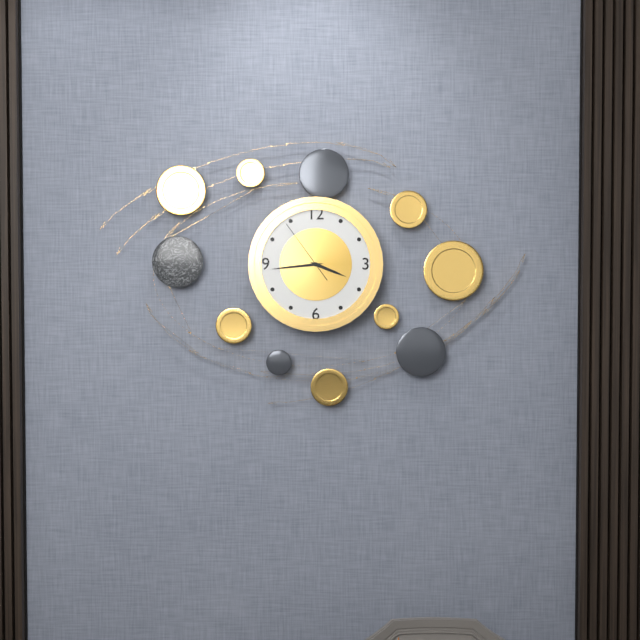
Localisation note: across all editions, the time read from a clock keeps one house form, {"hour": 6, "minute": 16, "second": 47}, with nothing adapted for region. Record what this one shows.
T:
{"hour": 3, "minute": 44, "second": 54}
